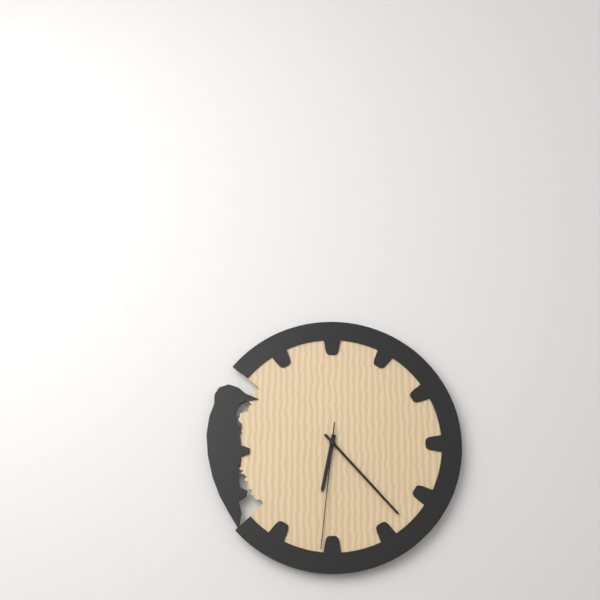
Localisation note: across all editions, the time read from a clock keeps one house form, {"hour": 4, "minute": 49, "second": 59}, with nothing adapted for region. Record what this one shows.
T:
{"hour": 6, "minute": 23, "second": 31}
